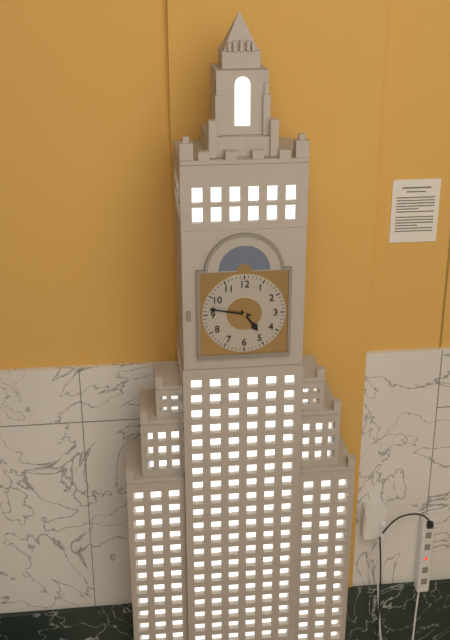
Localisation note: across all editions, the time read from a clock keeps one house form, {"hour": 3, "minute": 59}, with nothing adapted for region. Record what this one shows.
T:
{"hour": 4, "minute": 47}
